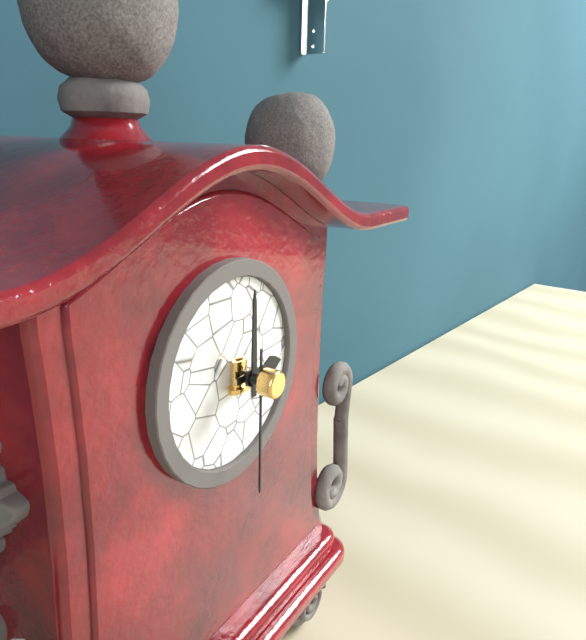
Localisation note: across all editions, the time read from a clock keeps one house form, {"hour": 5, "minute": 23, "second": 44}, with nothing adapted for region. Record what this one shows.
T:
{"hour": 3, "minute": 0, "second": 30}
